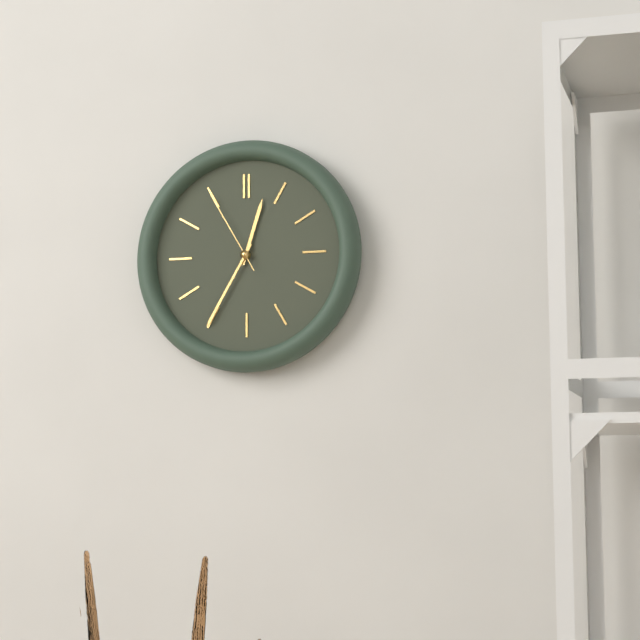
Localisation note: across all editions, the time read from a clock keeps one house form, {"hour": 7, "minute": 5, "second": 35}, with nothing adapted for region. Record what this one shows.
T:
{"hour": 12, "minute": 35, "second": 55}
